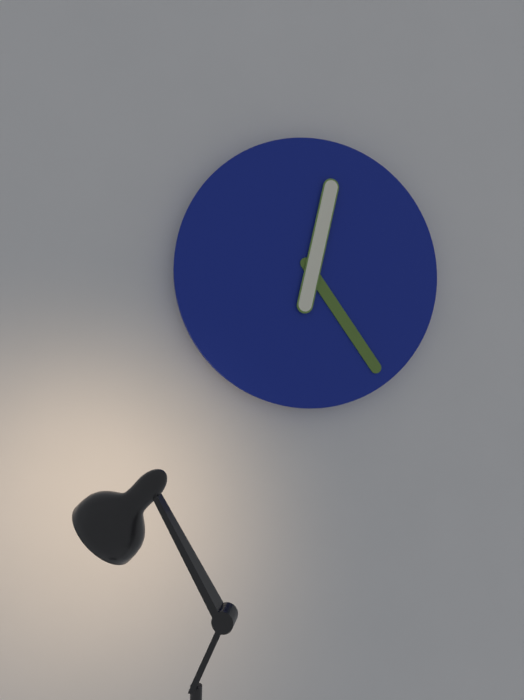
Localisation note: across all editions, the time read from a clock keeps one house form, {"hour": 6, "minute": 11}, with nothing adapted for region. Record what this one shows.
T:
{"hour": 12, "minute": 24}
